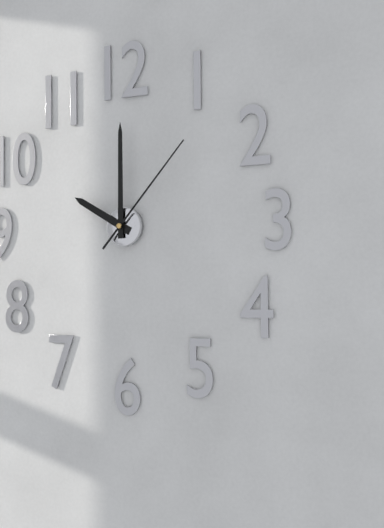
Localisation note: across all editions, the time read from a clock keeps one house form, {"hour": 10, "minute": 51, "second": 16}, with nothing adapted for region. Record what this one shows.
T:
{"hour": 10, "minute": 0, "second": 7}
